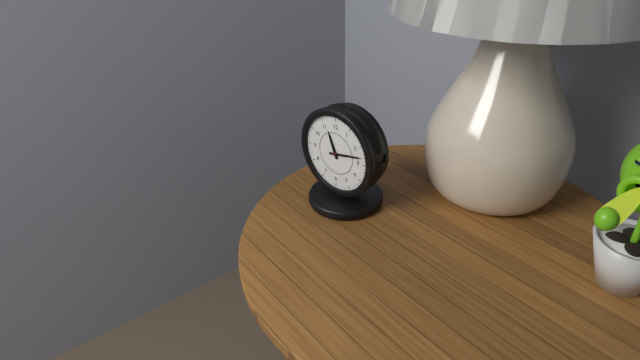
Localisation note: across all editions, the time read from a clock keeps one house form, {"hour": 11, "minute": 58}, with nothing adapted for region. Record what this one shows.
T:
{"hour": 11, "minute": 13}
